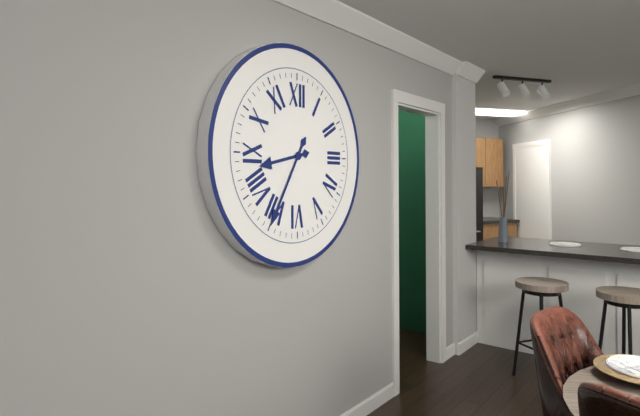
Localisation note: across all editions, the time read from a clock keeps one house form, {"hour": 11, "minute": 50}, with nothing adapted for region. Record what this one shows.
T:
{"hour": 8, "minute": 35}
